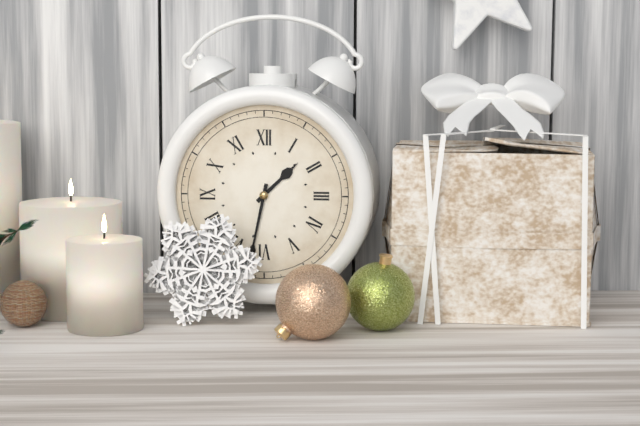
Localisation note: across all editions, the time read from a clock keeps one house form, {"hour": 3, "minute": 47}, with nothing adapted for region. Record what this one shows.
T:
{"hour": 1, "minute": 32}
